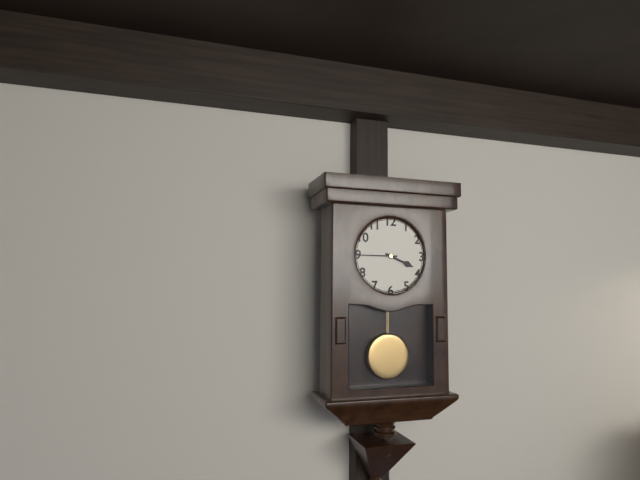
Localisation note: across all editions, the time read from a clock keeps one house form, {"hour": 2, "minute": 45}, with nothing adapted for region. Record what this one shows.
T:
{"hour": 3, "minute": 45}
